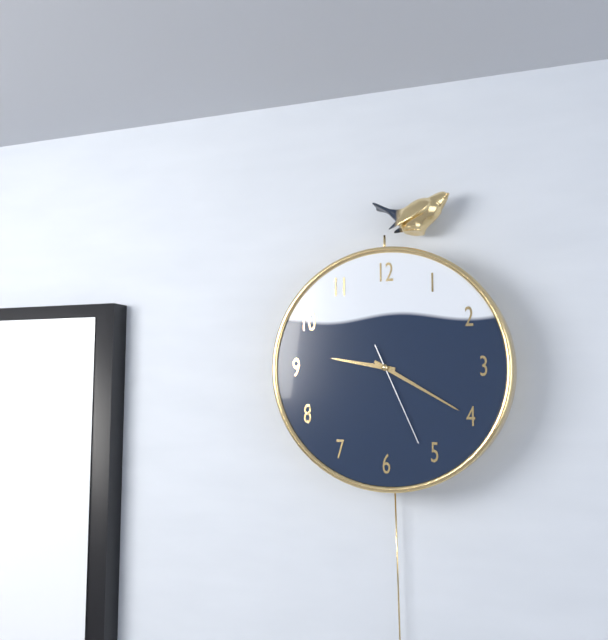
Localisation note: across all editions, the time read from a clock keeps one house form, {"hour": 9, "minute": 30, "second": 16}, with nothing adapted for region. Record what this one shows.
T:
{"hour": 9, "minute": 20, "second": 26}
